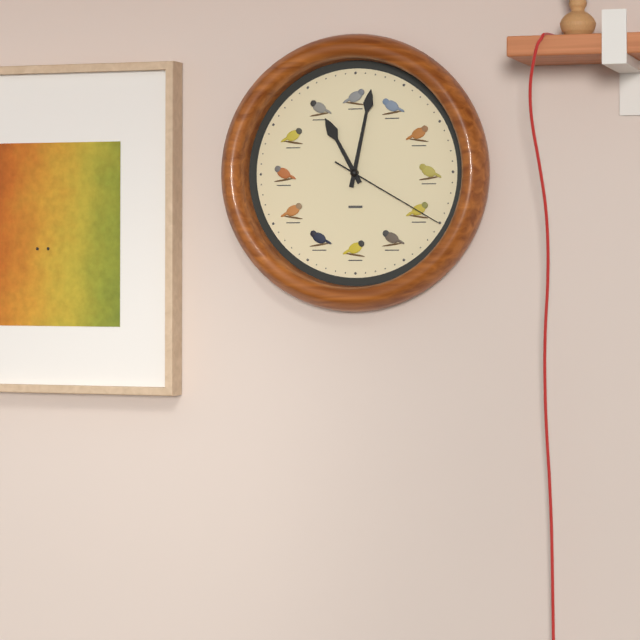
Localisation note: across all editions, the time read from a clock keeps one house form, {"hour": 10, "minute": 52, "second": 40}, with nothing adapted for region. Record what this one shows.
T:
{"hour": 11, "minute": 2, "second": 20}
